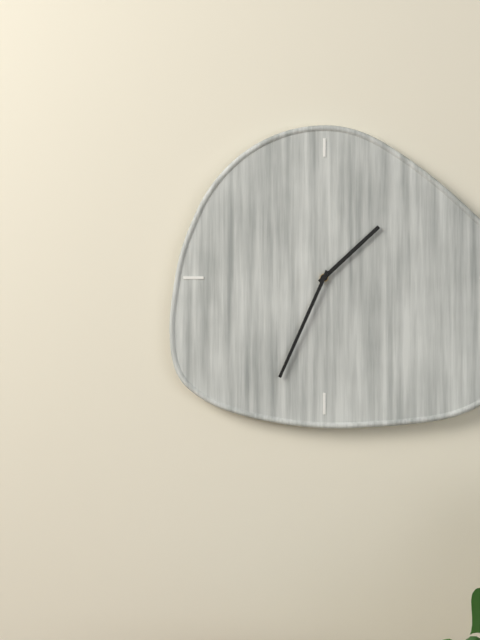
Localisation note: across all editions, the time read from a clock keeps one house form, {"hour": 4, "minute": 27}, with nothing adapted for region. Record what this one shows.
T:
{"hour": 1, "minute": 34}
